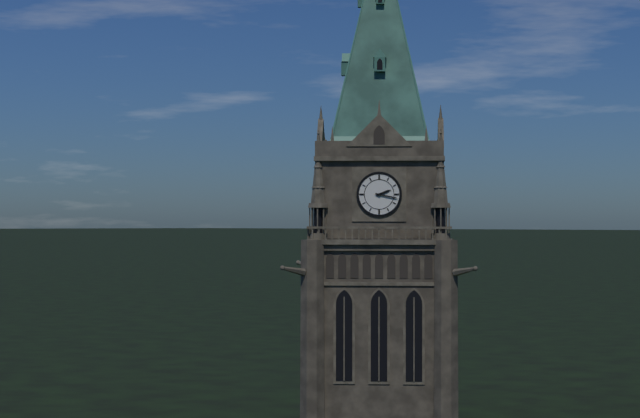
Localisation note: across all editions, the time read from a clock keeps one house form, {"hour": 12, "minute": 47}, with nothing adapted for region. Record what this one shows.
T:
{"hour": 2, "minute": 17}
